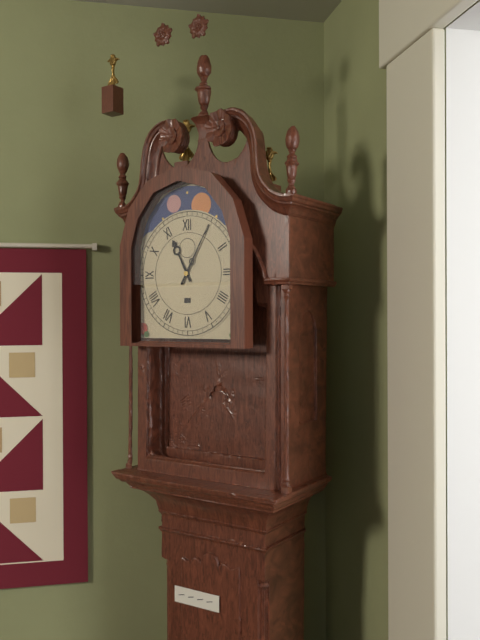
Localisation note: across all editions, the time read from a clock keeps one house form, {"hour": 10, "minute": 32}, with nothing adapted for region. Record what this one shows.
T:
{"hour": 11, "minute": 5}
